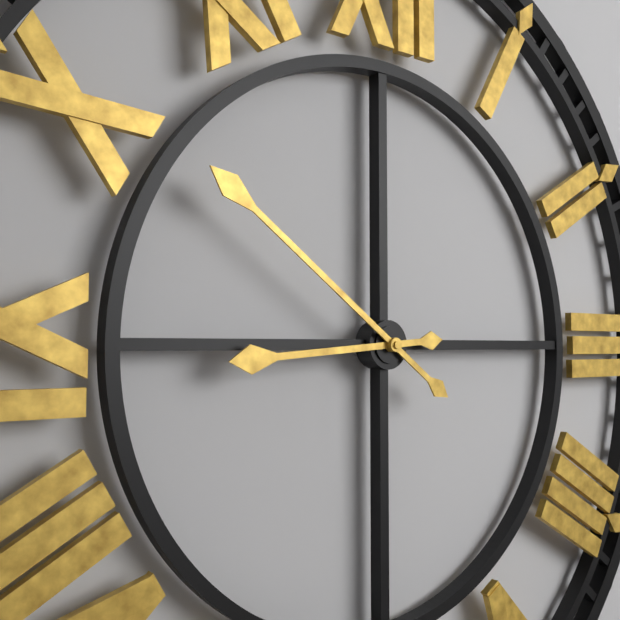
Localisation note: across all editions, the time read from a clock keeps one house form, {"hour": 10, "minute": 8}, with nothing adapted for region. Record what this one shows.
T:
{"hour": 8, "minute": 51}
